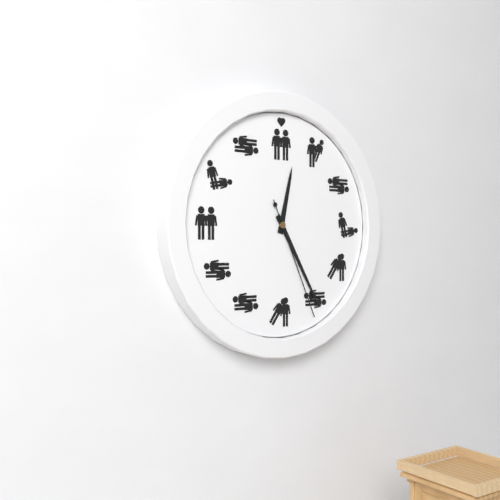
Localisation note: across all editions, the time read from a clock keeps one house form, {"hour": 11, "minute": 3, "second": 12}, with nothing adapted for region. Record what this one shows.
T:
{"hour": 12, "minute": 25, "second": 26}
